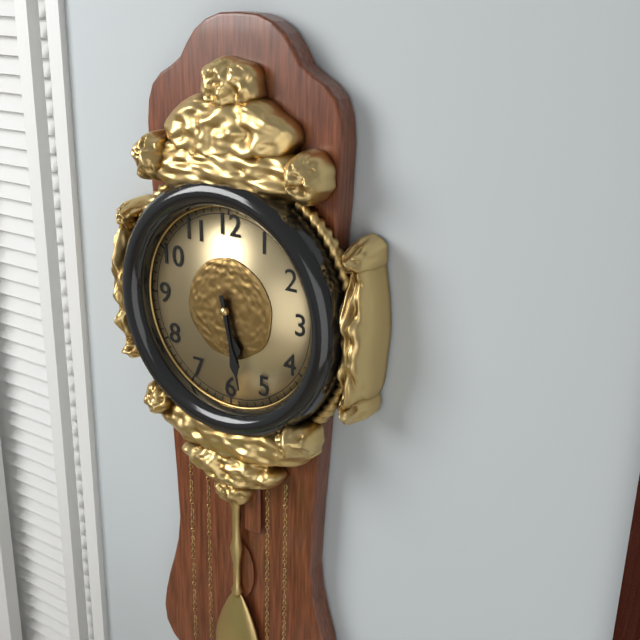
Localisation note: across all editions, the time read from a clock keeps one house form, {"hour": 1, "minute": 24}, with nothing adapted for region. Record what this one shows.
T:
{"hour": 5, "minute": 28}
